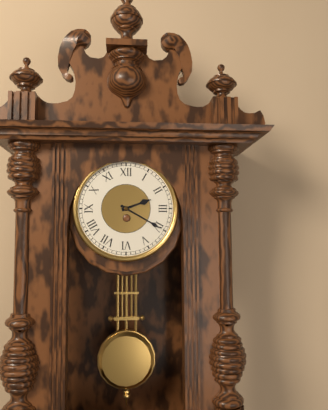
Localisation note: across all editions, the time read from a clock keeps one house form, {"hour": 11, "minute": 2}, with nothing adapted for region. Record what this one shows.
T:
{"hour": 2, "minute": 20}
